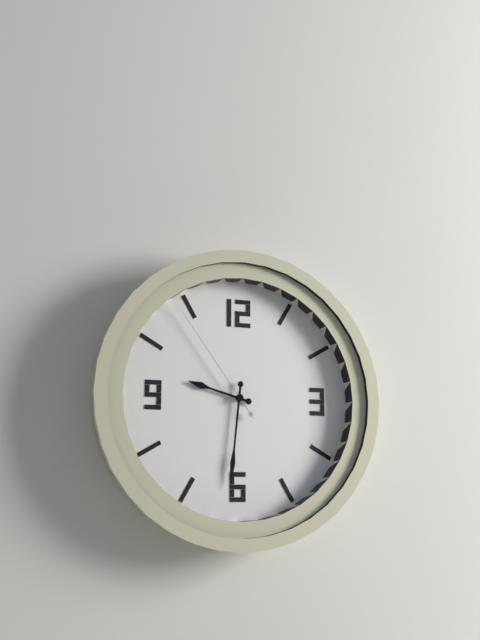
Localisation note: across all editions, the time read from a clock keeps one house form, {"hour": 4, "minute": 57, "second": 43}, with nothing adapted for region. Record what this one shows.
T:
{"hour": 9, "minute": 31, "second": 54}
